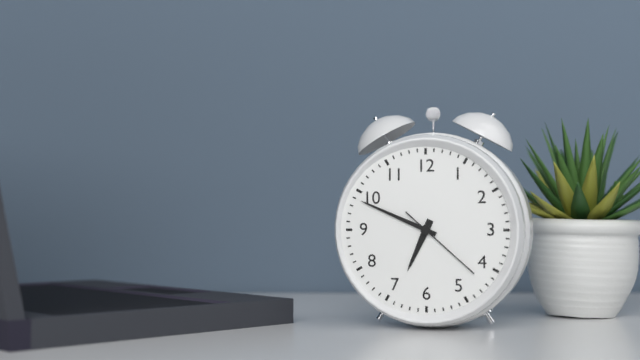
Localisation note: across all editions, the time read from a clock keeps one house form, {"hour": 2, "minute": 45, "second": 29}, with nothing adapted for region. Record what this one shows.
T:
{"hour": 6, "minute": 49, "second": 22}
